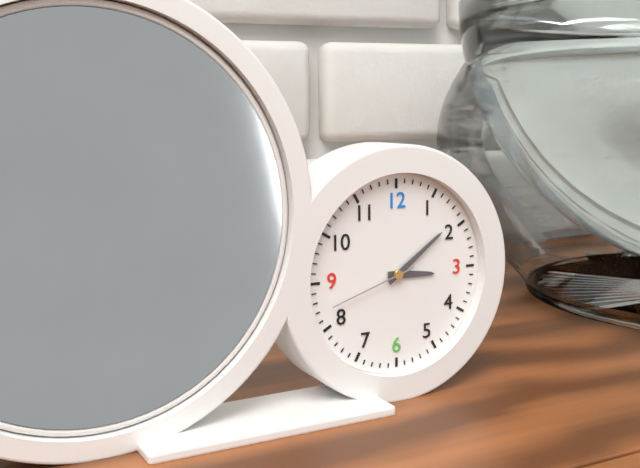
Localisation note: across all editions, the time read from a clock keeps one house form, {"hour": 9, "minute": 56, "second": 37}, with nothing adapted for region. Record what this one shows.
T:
{"hour": 3, "minute": 9, "second": 42}
